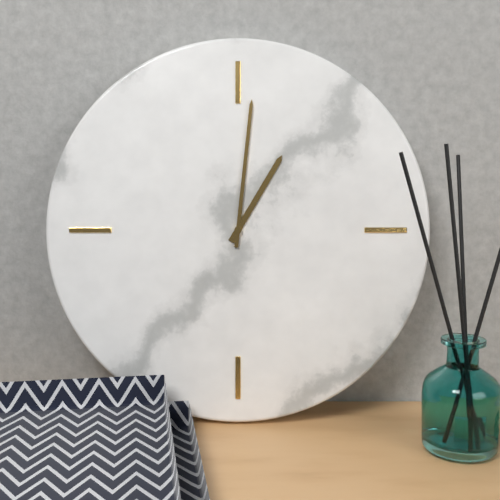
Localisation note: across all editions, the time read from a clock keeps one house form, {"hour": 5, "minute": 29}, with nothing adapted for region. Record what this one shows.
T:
{"hour": 1, "minute": 1}
